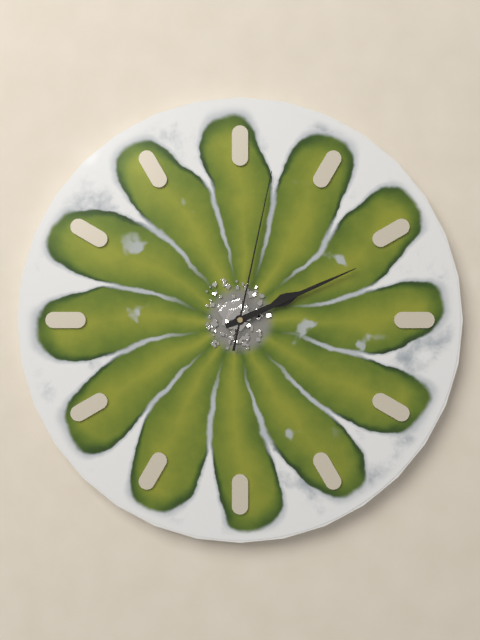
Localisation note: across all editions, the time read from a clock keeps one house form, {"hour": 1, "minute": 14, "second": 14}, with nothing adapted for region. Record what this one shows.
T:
{"hour": 2, "minute": 11, "second": 2}
